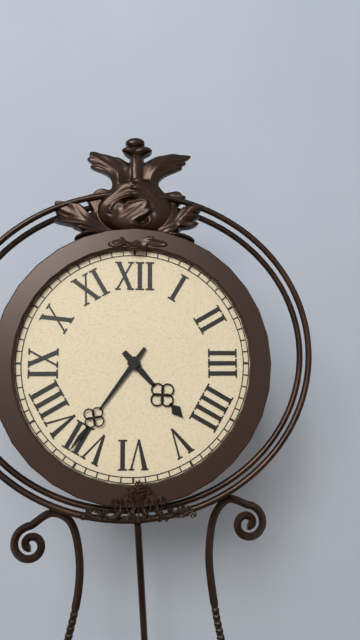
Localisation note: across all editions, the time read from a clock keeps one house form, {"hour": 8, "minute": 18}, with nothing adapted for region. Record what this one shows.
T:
{"hour": 4, "minute": 36}
